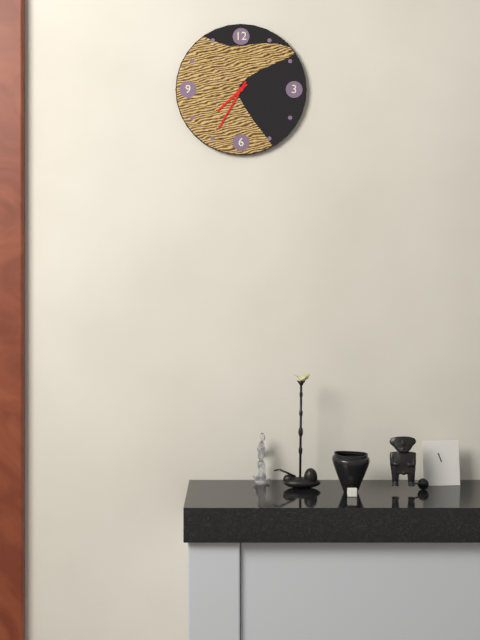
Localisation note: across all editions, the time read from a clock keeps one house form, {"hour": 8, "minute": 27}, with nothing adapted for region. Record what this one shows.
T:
{"hour": 7, "minute": 35}
